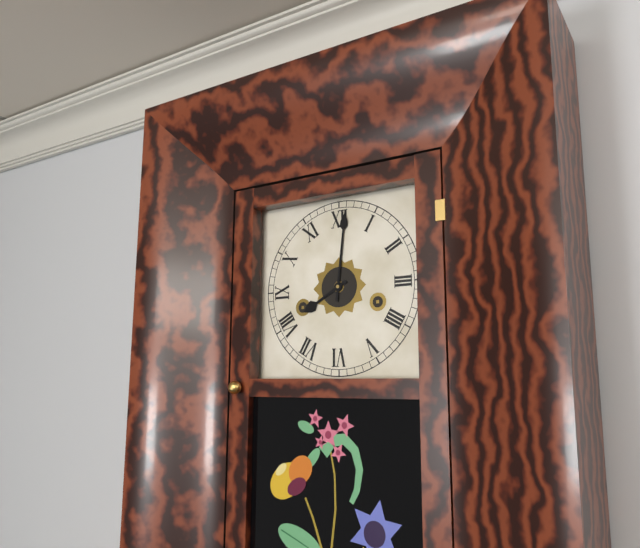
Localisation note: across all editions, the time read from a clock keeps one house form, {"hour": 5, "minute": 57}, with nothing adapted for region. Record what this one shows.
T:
{"hour": 8, "minute": 1}
